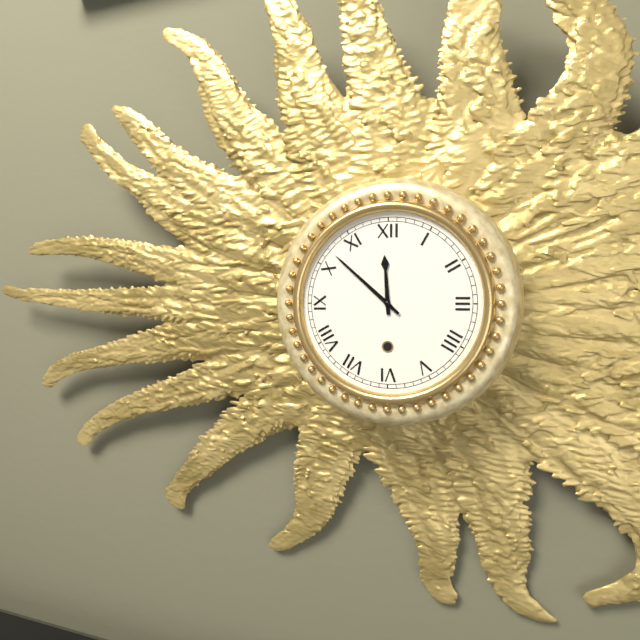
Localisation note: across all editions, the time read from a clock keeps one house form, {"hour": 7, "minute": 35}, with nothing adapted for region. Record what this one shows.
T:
{"hour": 11, "minute": 52}
